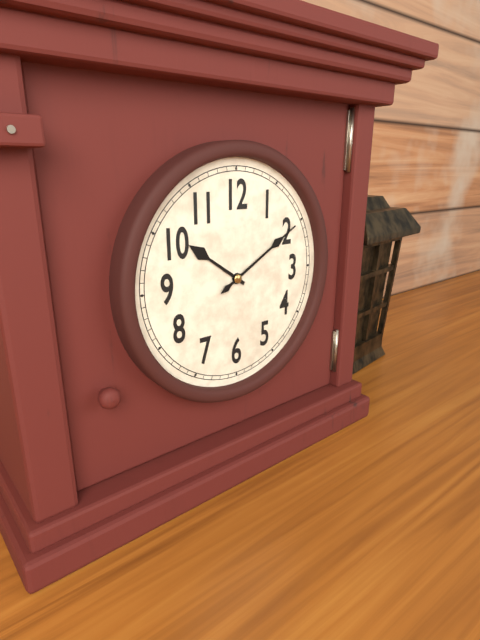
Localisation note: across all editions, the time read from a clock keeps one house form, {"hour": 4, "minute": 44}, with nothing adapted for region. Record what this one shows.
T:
{"hour": 10, "minute": 10}
